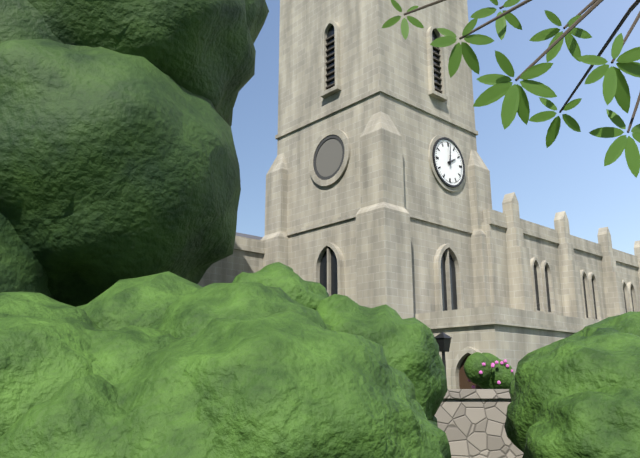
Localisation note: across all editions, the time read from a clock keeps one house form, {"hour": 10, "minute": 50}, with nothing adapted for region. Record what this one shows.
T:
{"hour": 2, "minute": 1}
